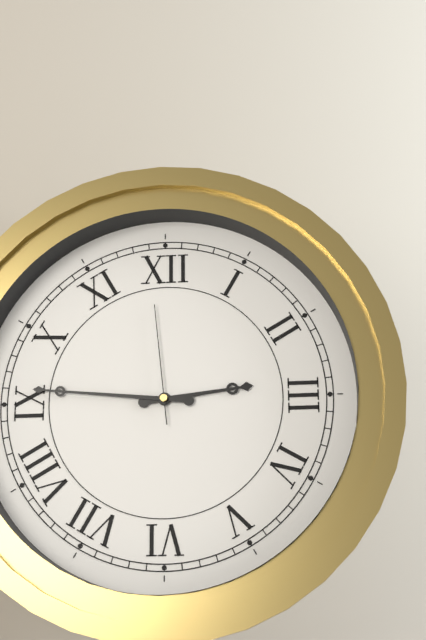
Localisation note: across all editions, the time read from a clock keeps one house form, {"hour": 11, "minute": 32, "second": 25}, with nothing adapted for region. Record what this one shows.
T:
{"hour": 2, "minute": 46, "second": 59}
